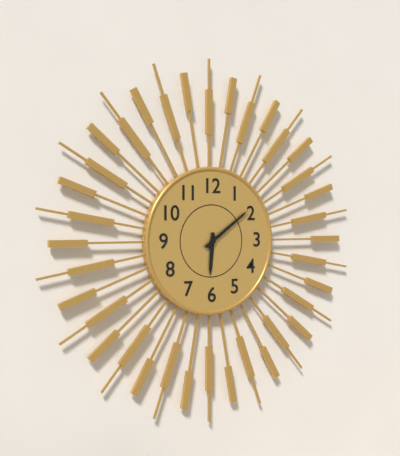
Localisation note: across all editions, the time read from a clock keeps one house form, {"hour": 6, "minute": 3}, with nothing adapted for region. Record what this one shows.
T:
{"hour": 6, "minute": 9}
